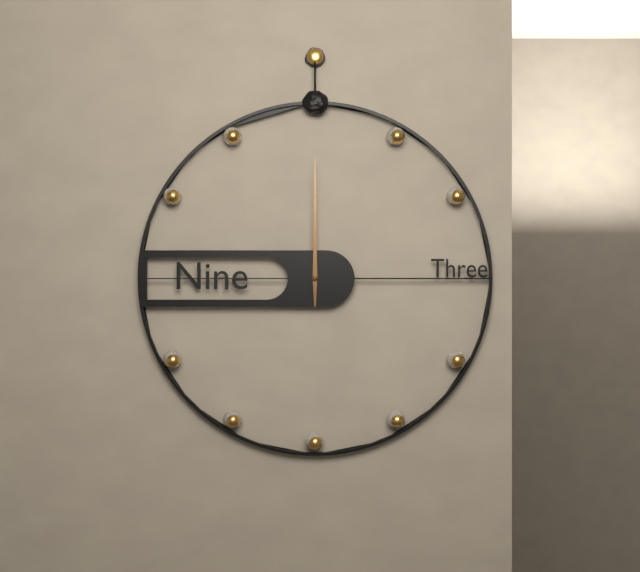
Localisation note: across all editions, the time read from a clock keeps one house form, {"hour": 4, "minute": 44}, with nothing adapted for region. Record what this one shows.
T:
{"hour": 12, "minute": 0}
